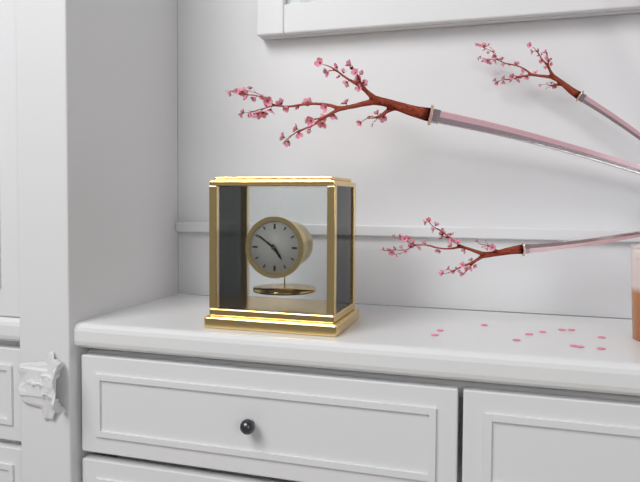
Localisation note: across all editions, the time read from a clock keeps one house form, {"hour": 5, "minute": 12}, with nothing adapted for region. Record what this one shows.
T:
{"hour": 4, "minute": 51}
